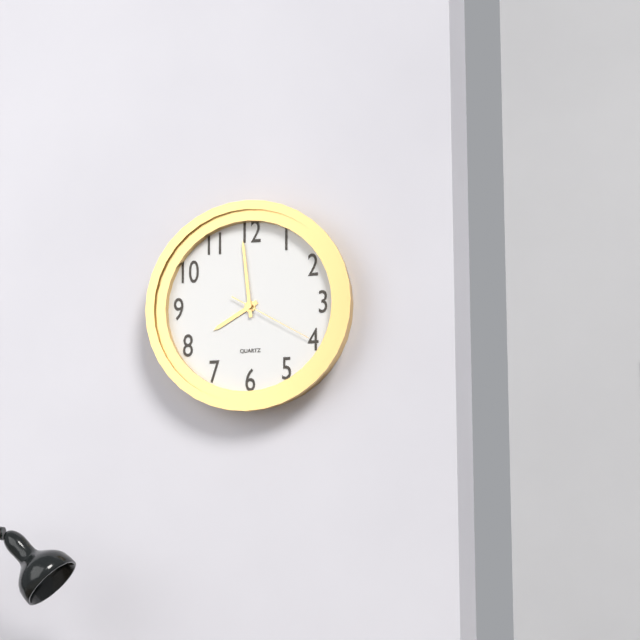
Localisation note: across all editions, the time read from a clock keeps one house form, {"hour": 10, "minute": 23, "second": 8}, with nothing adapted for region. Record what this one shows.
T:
{"hour": 7, "minute": 59, "second": 20}
